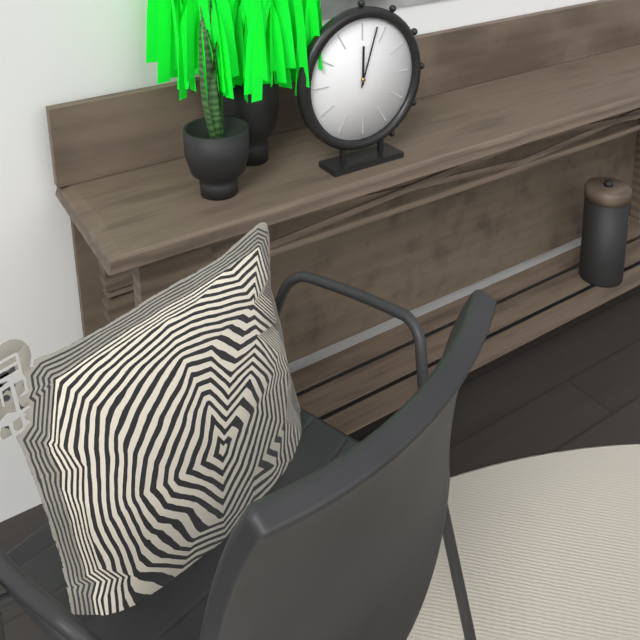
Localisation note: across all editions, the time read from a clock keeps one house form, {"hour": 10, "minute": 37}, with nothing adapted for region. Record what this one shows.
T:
{"hour": 12, "minute": 3}
